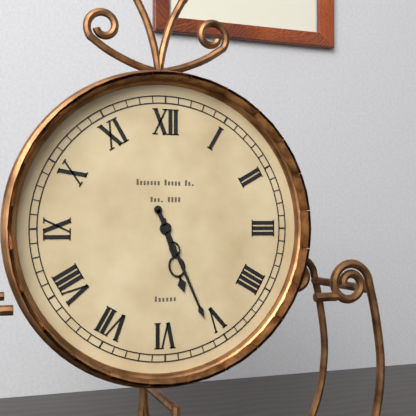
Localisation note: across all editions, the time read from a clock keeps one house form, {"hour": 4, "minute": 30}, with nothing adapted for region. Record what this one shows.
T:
{"hour": 5, "minute": 26}
